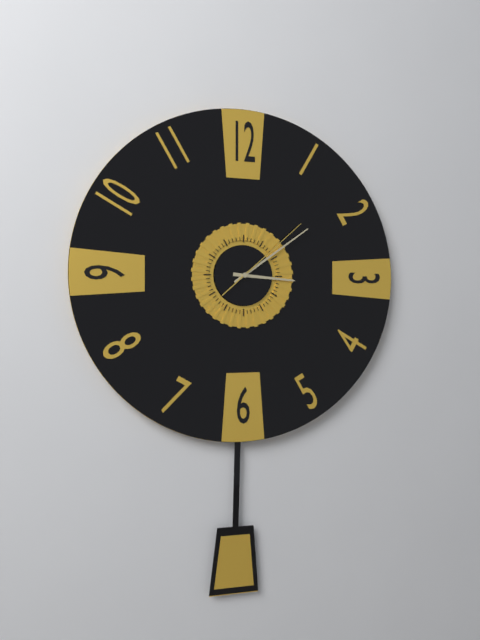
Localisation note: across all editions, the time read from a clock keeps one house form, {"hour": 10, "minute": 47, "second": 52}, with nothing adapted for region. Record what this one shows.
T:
{"hour": 3, "minute": 9, "second": 8}
